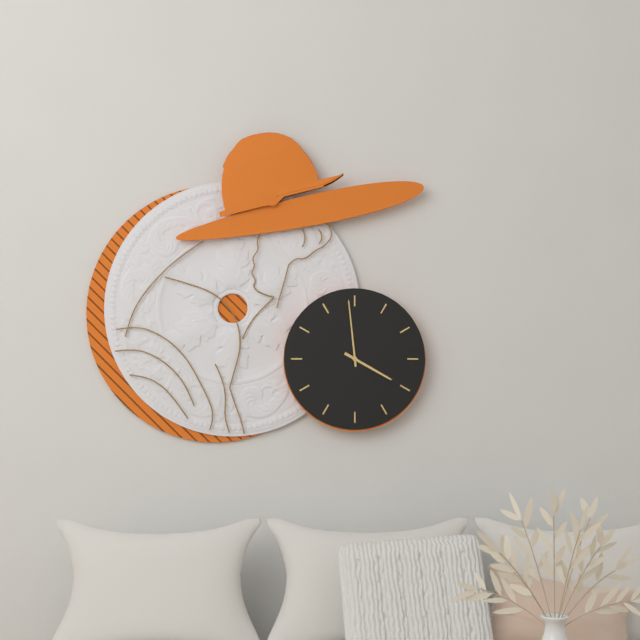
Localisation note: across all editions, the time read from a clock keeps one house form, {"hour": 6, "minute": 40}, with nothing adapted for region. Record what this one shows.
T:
{"hour": 3, "minute": 59}
